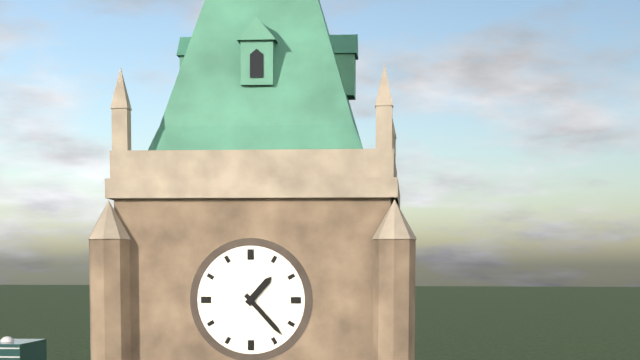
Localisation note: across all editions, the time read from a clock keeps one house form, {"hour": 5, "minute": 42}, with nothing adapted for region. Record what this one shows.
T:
{"hour": 1, "minute": 23}
